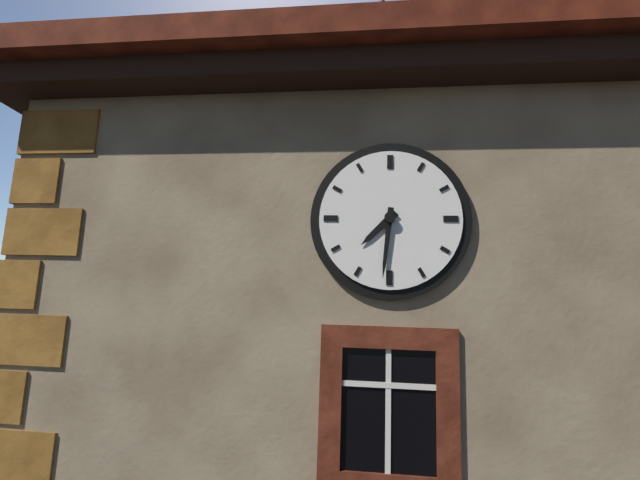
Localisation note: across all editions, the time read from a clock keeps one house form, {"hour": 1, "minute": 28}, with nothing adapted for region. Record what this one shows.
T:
{"hour": 7, "minute": 31}
